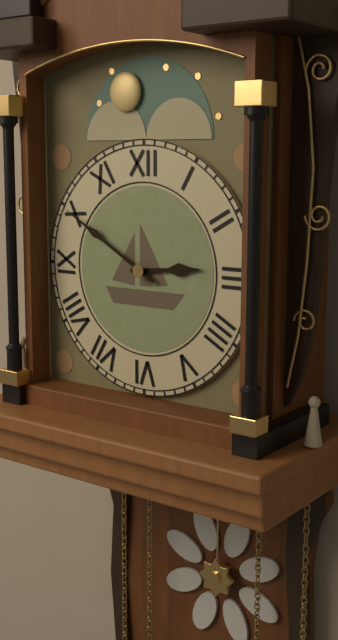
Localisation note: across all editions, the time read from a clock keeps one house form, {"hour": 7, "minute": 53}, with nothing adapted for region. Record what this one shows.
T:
{"hour": 2, "minute": 50}
